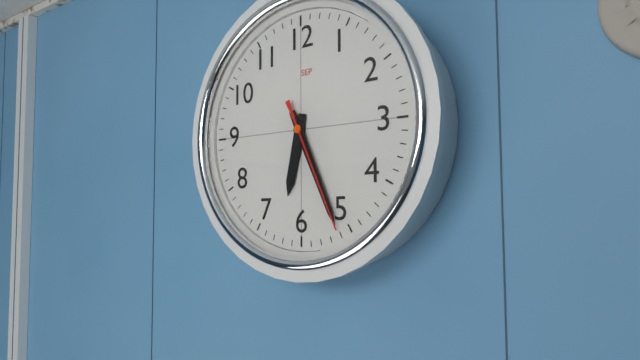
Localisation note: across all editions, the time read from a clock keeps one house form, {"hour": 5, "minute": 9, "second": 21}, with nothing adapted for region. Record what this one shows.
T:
{"hour": 6, "minute": 26, "second": 26}
